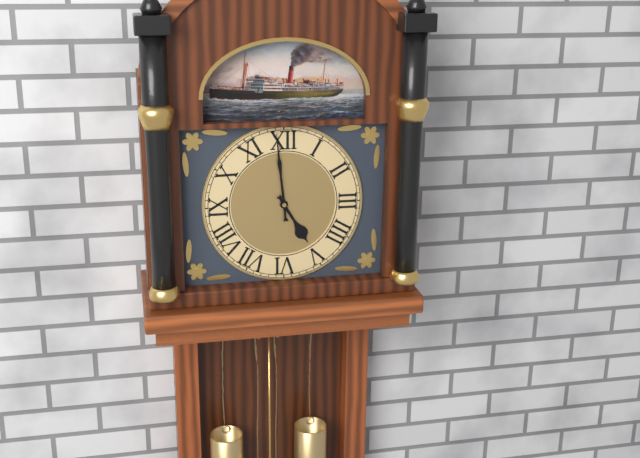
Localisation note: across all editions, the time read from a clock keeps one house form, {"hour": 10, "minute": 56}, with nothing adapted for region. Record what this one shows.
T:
{"hour": 4, "minute": 59}
